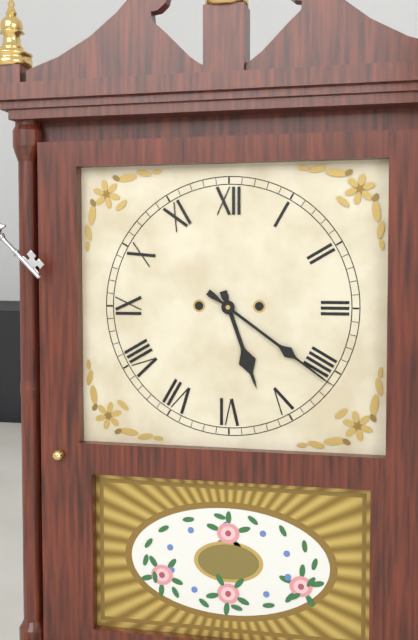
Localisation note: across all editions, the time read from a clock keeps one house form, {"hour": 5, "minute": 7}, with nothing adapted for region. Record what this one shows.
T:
{"hour": 5, "minute": 21}
